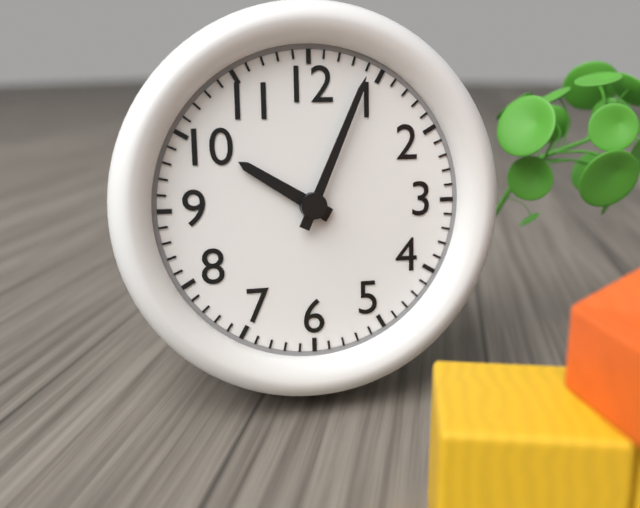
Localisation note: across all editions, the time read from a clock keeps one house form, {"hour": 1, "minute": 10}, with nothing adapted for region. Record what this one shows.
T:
{"hour": 10, "minute": 4}
